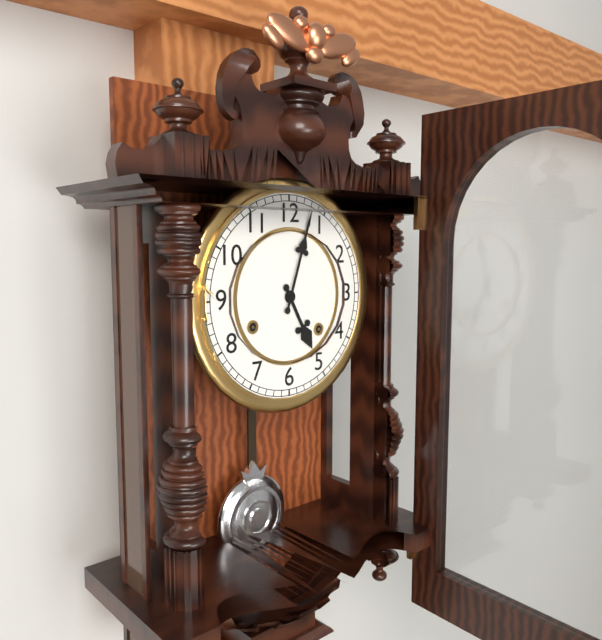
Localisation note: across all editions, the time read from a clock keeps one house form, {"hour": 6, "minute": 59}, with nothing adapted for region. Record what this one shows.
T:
{"hour": 5, "minute": 3}
